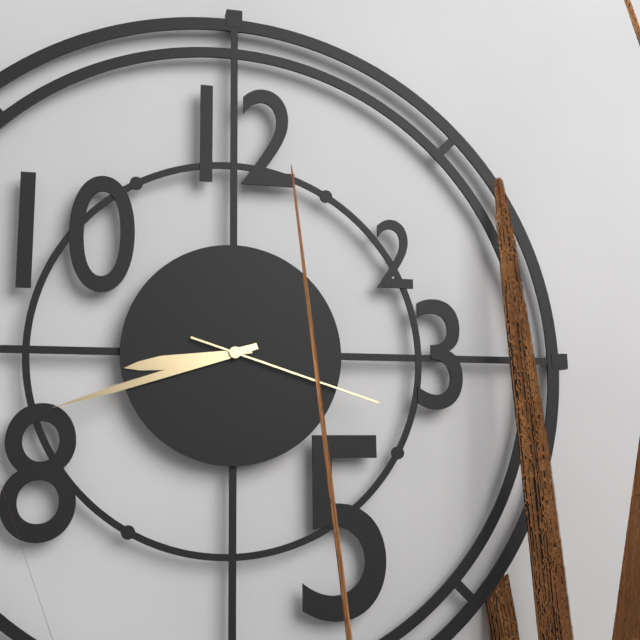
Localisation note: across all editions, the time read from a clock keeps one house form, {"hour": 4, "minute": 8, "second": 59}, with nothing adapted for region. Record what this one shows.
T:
{"hour": 8, "minute": 42, "second": 18}
